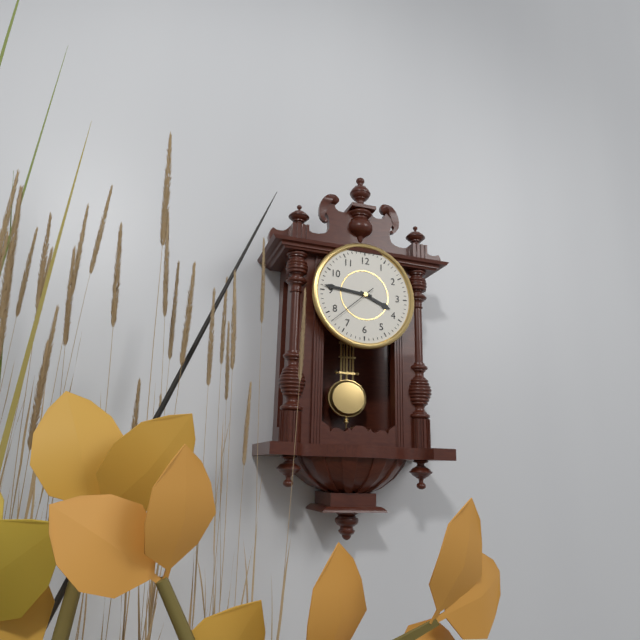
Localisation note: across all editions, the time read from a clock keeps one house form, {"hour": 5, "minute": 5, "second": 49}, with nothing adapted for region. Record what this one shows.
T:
{"hour": 3, "minute": 46, "second": 38}
